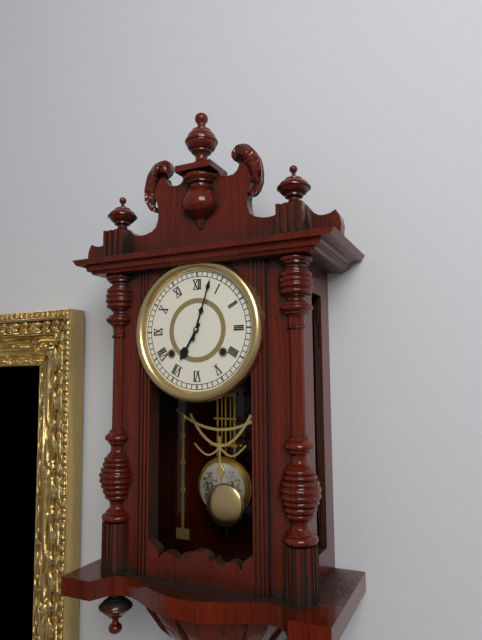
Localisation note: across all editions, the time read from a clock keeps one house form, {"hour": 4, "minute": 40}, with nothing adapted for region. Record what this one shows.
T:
{"hour": 7, "minute": 3}
